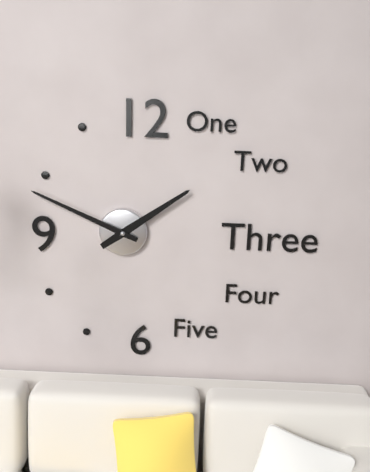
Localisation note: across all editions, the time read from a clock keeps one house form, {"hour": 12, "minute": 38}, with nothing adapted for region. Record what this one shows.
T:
{"hour": 1, "minute": 49}
